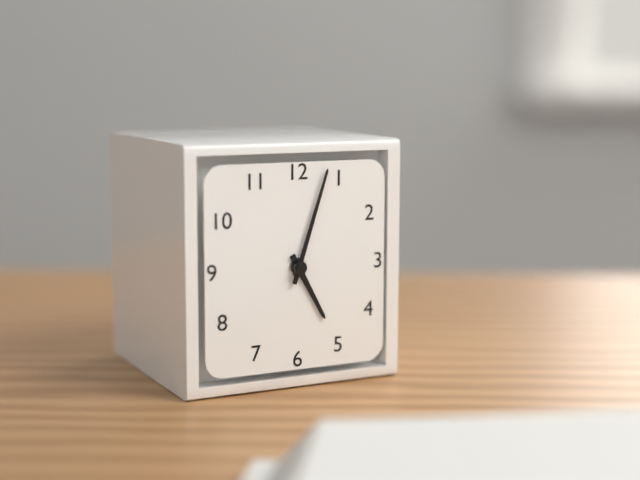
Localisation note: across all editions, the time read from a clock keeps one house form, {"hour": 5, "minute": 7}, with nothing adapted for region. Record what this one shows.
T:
{"hour": 5, "minute": 3}
